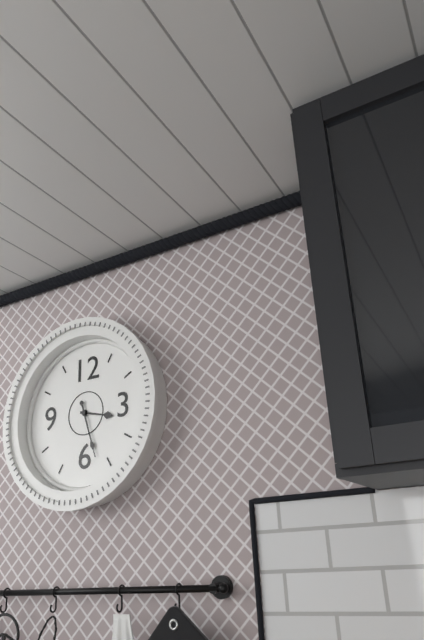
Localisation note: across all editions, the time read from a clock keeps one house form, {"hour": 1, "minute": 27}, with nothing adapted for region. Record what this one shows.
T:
{"hour": 3, "minute": 27}
